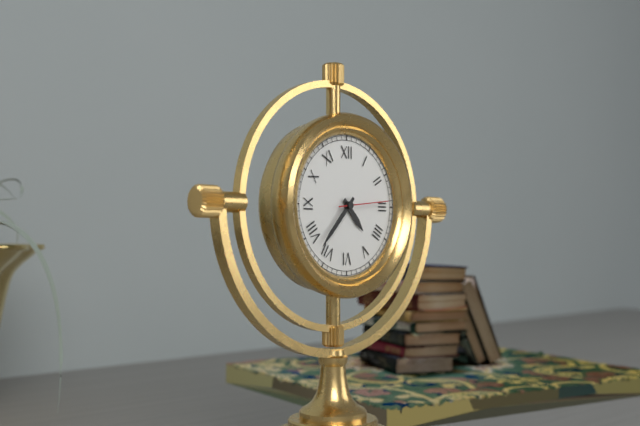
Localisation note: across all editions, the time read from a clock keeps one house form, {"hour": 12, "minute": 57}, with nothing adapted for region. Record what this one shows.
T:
{"hour": 4, "minute": 37}
